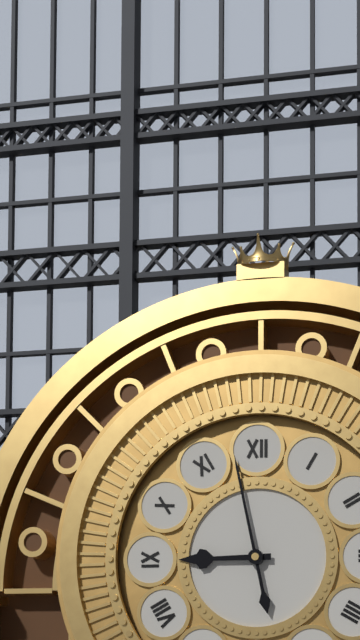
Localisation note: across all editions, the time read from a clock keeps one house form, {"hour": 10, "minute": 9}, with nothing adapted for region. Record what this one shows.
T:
{"hour": 8, "minute": 58}
